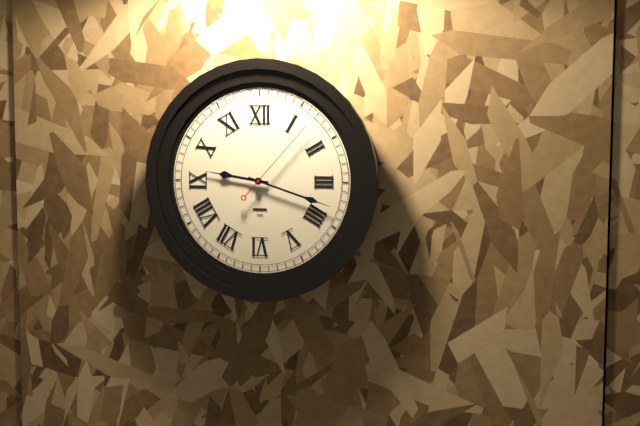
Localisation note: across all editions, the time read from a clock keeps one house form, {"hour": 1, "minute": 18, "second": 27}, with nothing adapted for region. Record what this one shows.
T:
{"hour": 9, "minute": 18, "second": 7}
